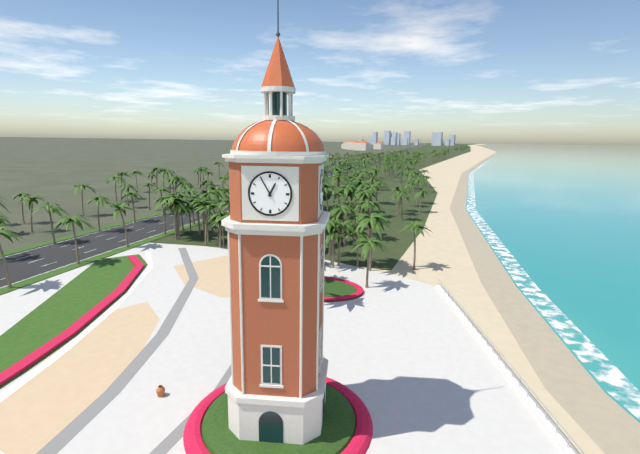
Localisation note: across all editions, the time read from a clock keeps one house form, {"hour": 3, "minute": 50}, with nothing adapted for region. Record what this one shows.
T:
{"hour": 12, "minute": 55}
